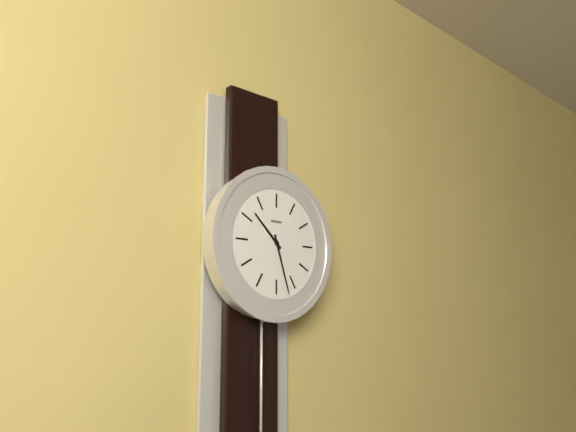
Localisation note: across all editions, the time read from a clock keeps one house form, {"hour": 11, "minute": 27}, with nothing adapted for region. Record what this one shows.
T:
{"hour": 10, "minute": 27}
